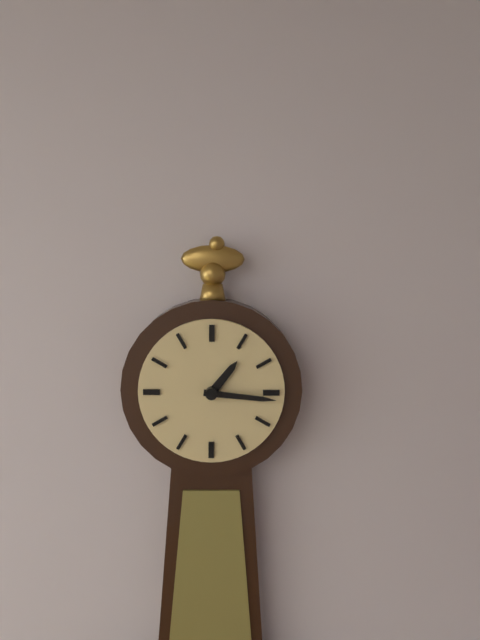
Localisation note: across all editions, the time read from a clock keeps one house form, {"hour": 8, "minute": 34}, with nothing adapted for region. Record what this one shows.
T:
{"hour": 1, "minute": 16}
